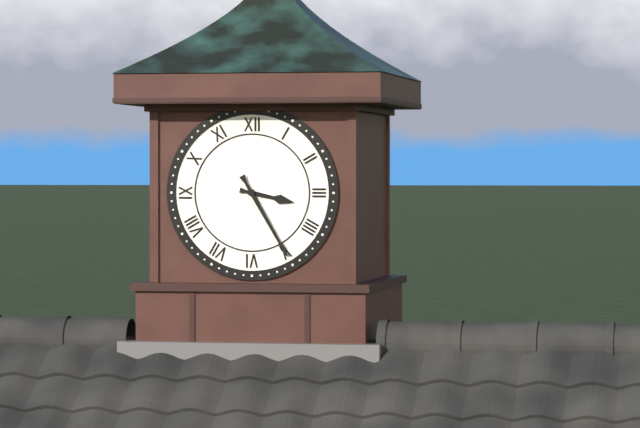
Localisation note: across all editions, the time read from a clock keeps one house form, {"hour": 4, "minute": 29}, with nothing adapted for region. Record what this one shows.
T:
{"hour": 3, "minute": 25}
